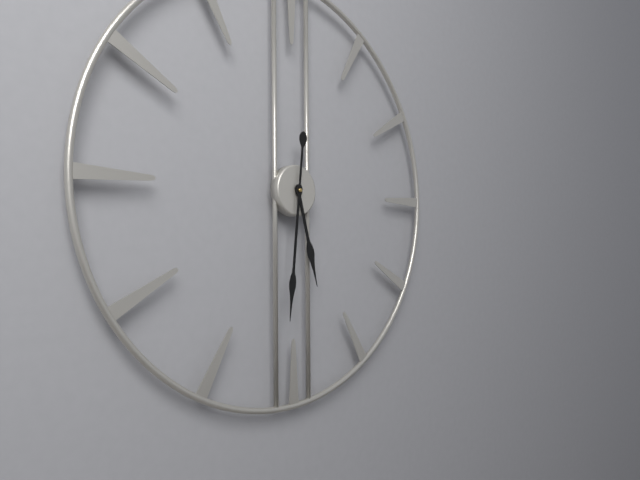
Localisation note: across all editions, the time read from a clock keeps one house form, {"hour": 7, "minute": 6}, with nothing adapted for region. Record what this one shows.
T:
{"hour": 5, "minute": 31}
